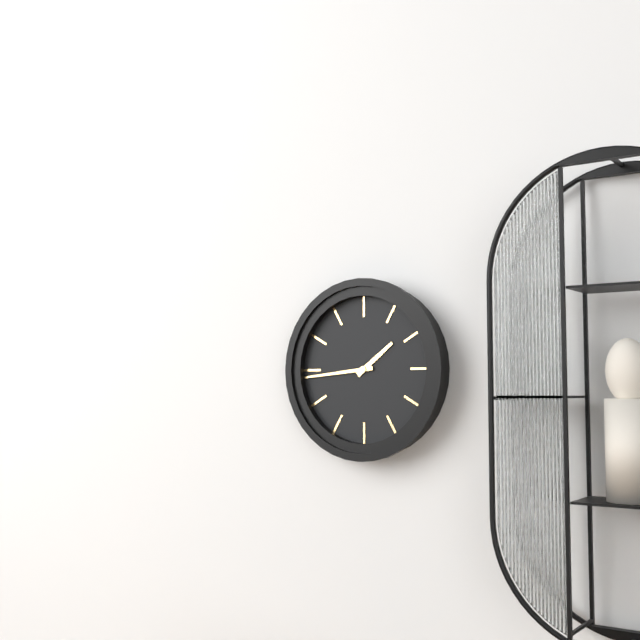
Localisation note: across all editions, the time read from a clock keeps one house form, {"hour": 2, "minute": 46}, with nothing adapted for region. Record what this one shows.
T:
{"hour": 1, "minute": 44}
